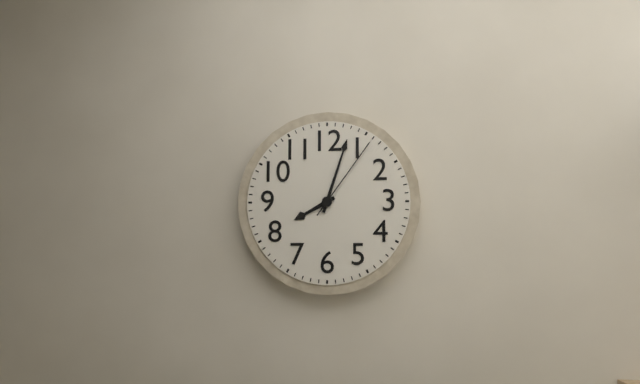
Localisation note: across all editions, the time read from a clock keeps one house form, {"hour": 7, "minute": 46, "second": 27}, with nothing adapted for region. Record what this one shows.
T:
{"hour": 8, "minute": 3, "second": 6}
